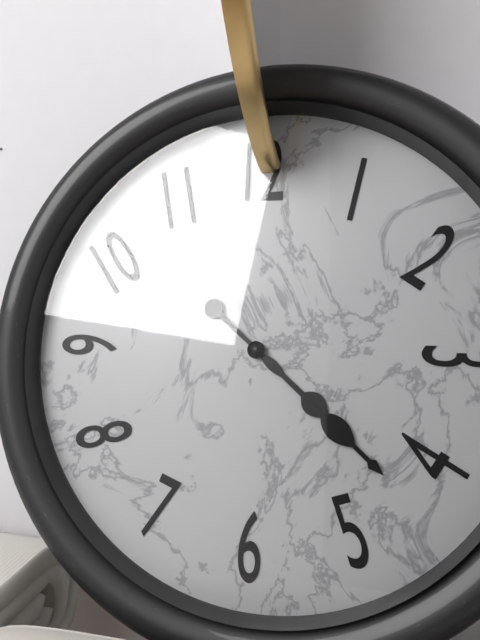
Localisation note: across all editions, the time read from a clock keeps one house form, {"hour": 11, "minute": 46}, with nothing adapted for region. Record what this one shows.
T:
{"hour": 4, "minute": 22}
